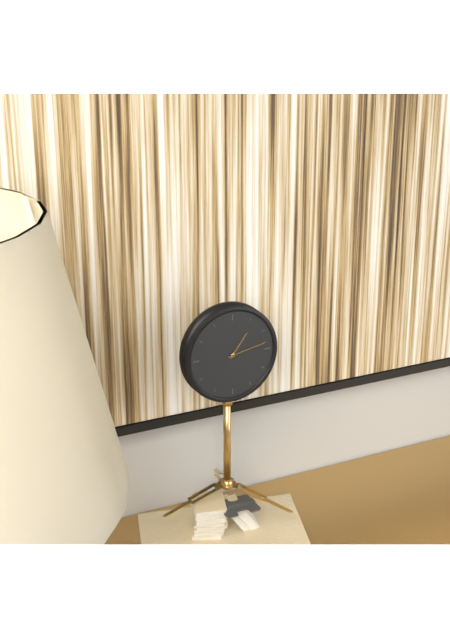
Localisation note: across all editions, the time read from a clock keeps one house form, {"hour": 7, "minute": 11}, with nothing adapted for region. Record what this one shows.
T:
{"hour": 1, "minute": 13}
